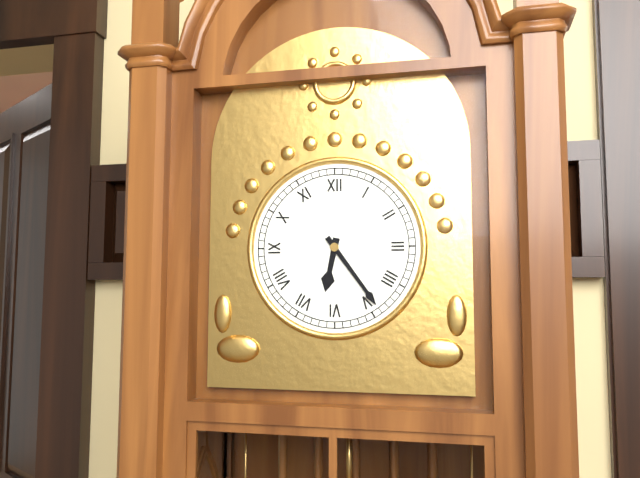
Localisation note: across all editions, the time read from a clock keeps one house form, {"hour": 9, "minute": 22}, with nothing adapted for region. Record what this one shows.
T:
{"hour": 6, "minute": 24}
